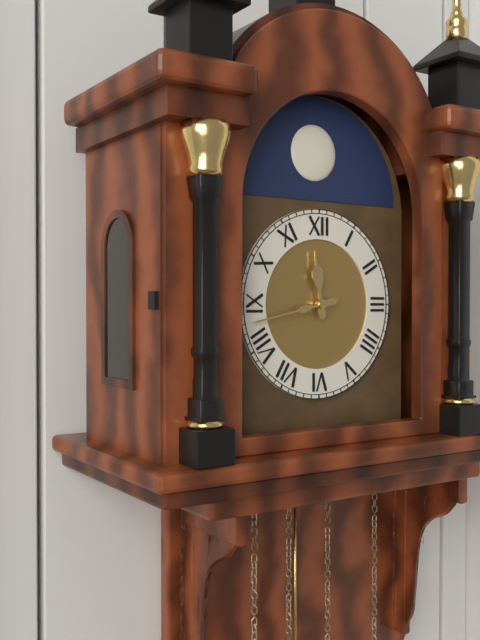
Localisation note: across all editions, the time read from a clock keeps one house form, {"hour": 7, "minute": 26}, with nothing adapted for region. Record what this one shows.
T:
{"hour": 11, "minute": 43}
